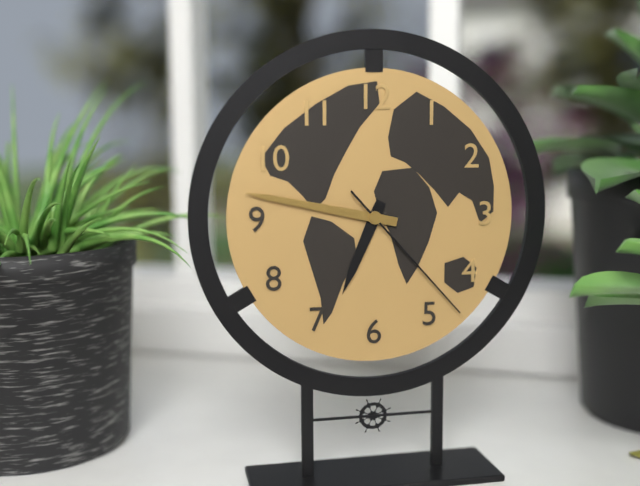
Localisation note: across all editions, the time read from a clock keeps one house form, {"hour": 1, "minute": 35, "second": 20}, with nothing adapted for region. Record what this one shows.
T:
{"hour": 6, "minute": 47, "second": 23}
